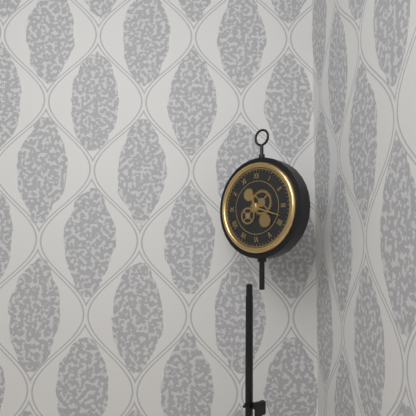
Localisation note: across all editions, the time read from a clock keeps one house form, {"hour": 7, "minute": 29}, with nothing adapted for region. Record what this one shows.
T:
{"hour": 11, "minute": 18}
